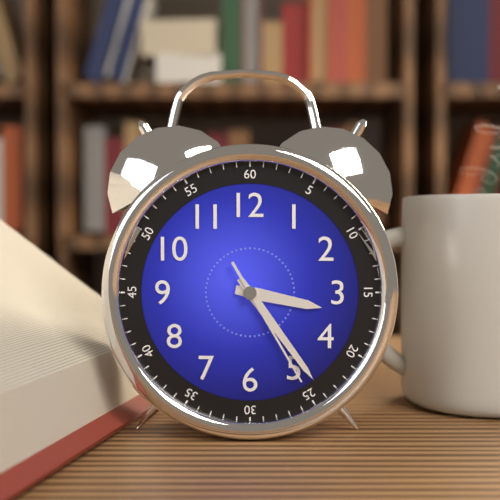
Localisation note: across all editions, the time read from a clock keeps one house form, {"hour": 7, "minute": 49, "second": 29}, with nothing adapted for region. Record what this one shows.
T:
{"hour": 3, "minute": 24, "second": 25}
